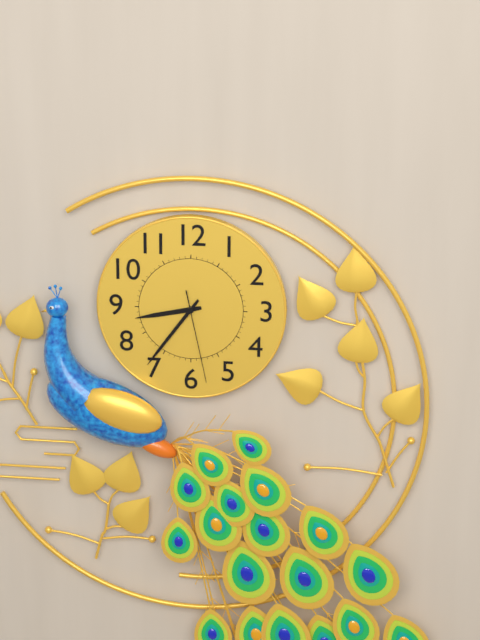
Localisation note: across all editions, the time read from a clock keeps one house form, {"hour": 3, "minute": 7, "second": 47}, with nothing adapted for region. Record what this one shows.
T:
{"hour": 8, "minute": 36, "second": 28}
